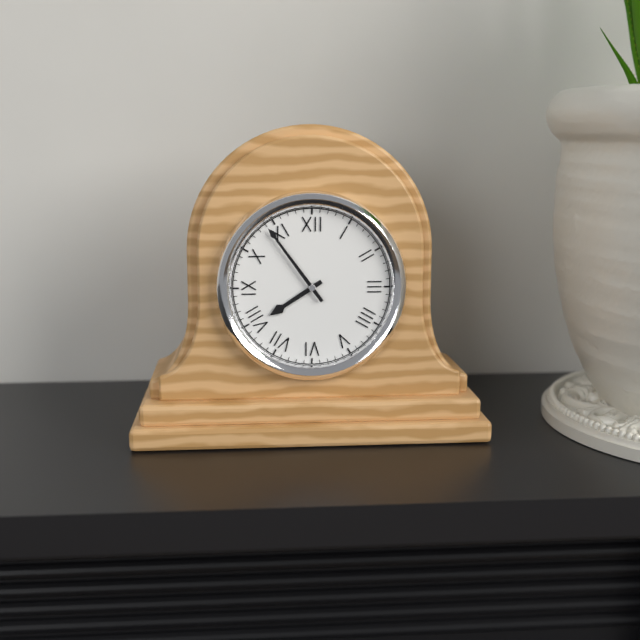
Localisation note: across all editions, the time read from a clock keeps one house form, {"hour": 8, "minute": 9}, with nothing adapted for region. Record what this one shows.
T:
{"hour": 7, "minute": 54}
